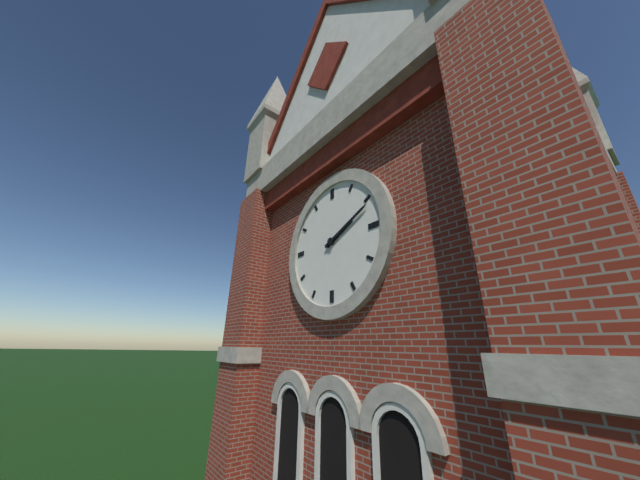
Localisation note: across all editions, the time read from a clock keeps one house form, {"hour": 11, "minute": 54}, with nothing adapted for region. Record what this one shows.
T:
{"hour": 2, "minute": 11}
